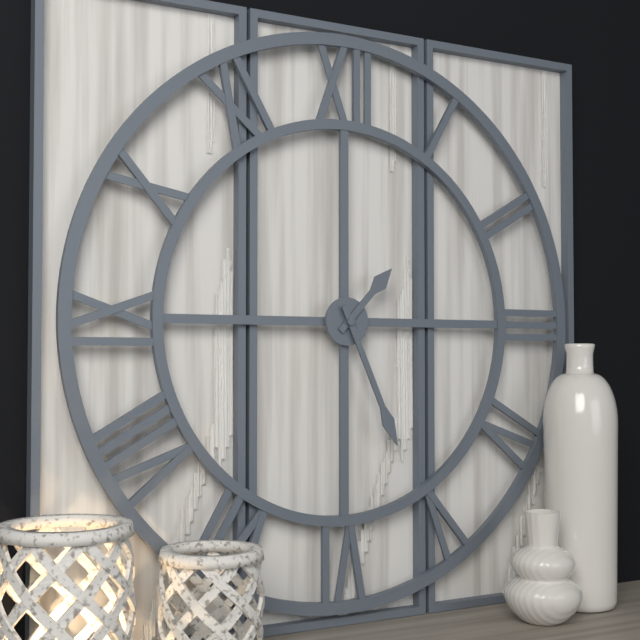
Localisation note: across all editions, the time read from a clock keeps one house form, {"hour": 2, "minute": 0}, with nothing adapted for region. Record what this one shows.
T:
{"hour": 1, "minute": 26}
